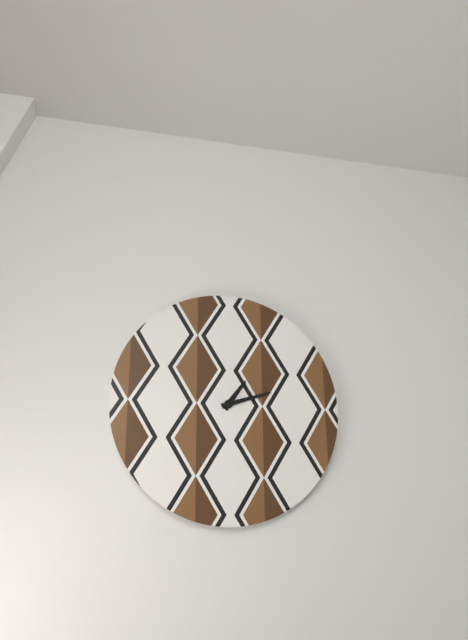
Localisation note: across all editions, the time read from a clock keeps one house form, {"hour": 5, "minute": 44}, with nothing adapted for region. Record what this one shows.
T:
{"hour": 1, "minute": 12}
